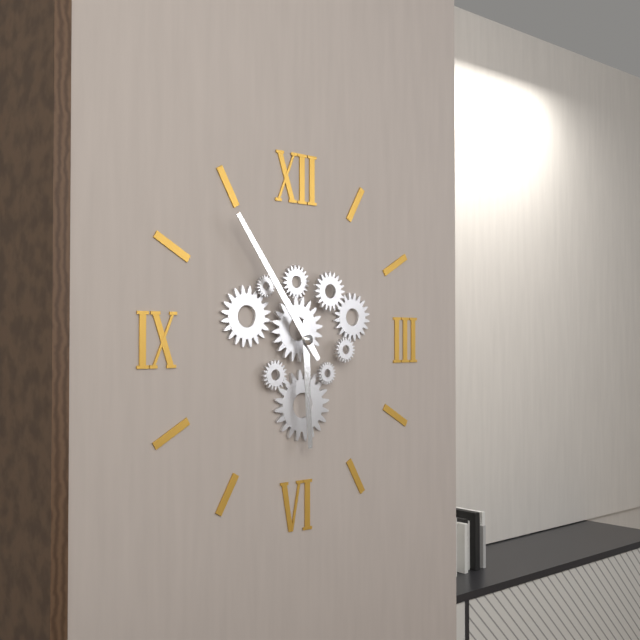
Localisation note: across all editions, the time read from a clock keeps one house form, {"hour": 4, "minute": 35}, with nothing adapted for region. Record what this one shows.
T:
{"hour": 5, "minute": 54}
